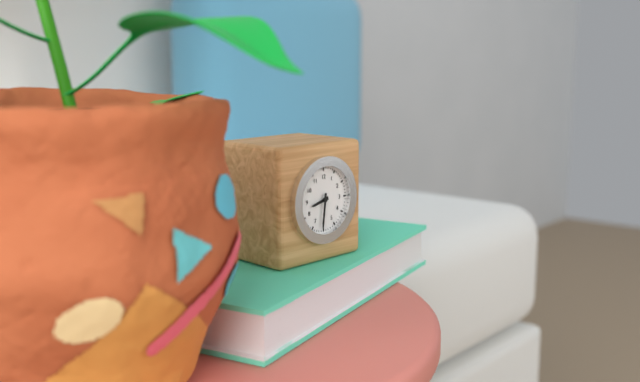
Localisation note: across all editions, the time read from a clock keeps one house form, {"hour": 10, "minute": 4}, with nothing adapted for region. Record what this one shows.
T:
{"hour": 8, "minute": 31}
